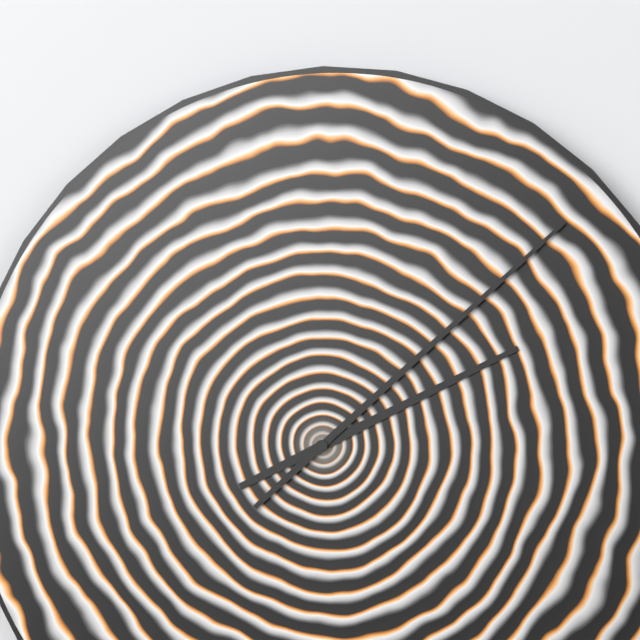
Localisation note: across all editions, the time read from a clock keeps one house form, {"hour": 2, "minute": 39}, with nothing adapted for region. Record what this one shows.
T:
{"hour": 2, "minute": 8}
